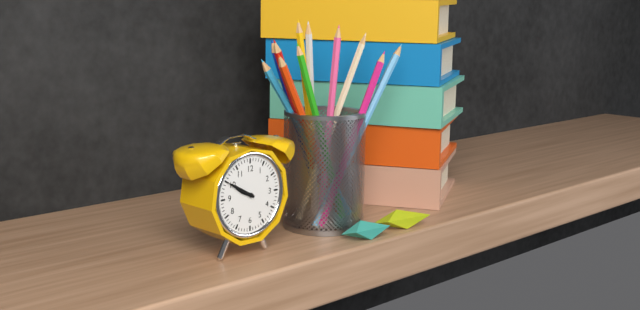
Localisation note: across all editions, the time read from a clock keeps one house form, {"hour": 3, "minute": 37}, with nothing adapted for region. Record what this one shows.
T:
{"hour": 9, "minute": 50}
